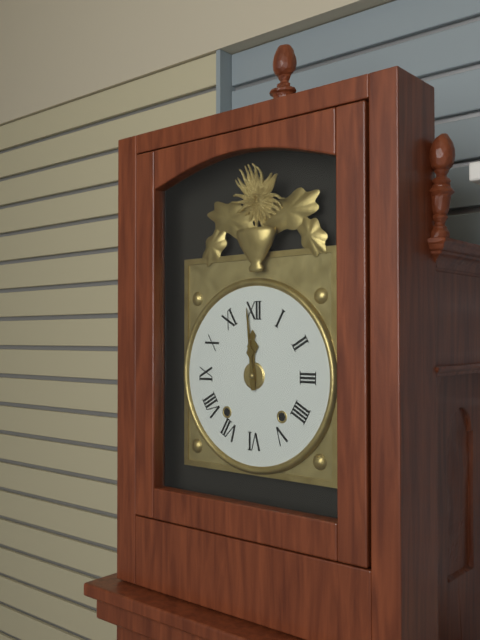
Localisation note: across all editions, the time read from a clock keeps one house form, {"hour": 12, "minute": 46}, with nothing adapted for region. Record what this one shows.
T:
{"hour": 11, "minute": 59}
